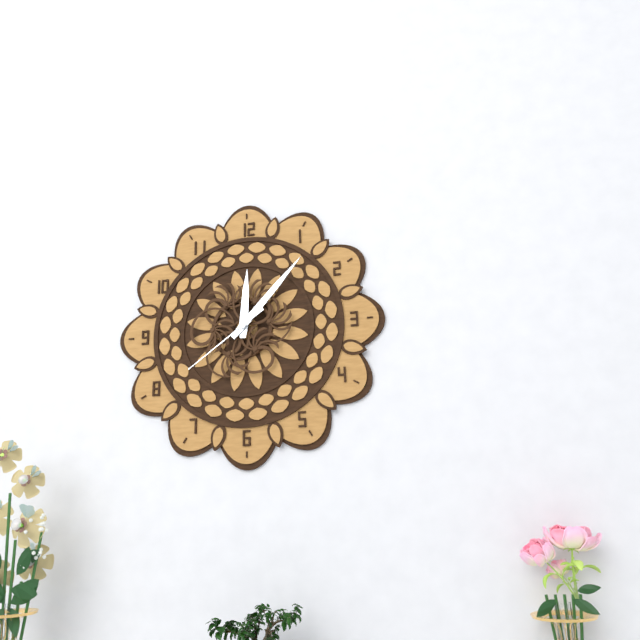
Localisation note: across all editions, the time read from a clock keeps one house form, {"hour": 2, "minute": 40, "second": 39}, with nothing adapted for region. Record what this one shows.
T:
{"hour": 12, "minute": 7, "second": 39}
